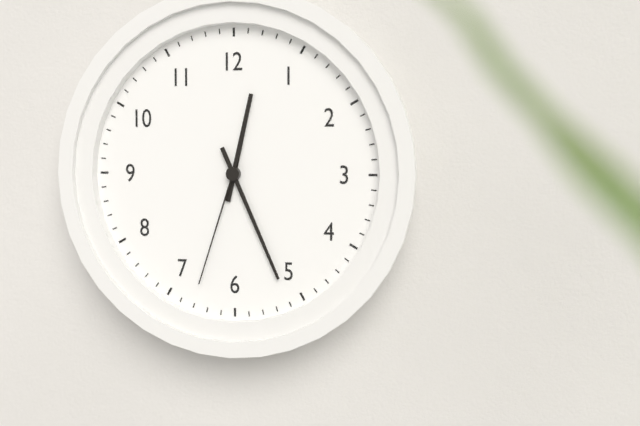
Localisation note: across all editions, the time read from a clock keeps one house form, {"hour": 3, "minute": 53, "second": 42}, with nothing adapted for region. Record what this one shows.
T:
{"hour": 12, "minute": 26, "second": 33}
